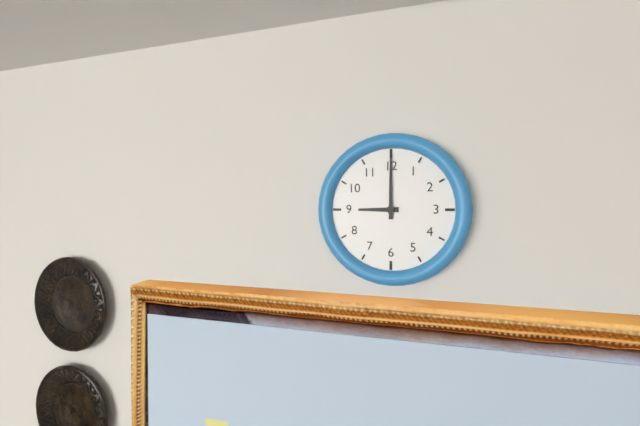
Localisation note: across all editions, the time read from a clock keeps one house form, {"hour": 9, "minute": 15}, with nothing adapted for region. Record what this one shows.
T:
{"hour": 9, "minute": 0}
